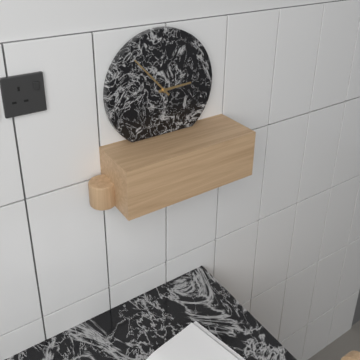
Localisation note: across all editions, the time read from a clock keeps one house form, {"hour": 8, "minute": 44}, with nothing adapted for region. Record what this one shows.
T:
{"hour": 2, "minute": 53}
